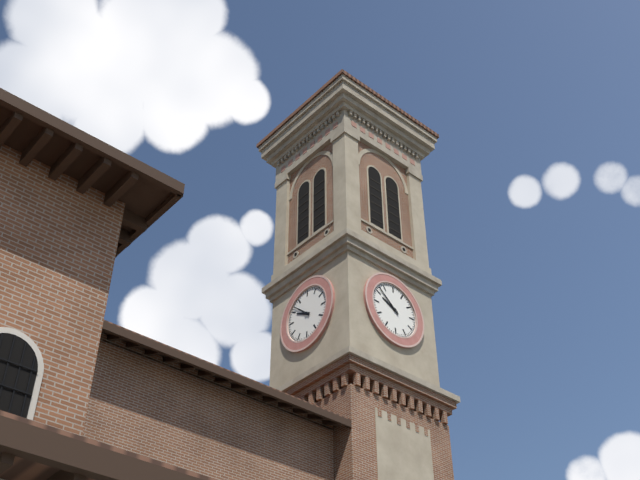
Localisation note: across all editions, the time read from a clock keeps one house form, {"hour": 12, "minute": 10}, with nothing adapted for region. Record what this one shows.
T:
{"hour": 9, "minute": 52}
